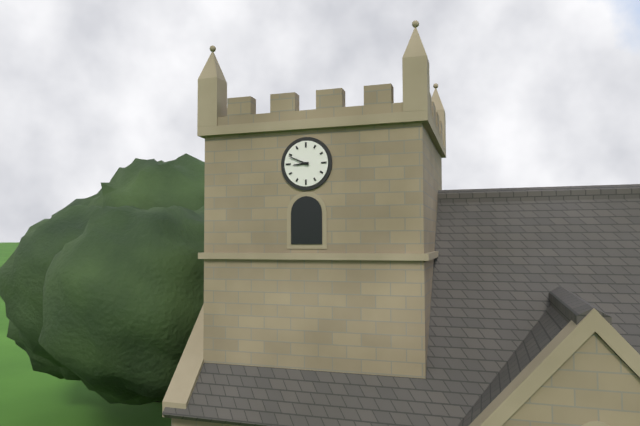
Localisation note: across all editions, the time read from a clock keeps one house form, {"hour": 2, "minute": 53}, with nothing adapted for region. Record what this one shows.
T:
{"hour": 8, "minute": 49}
